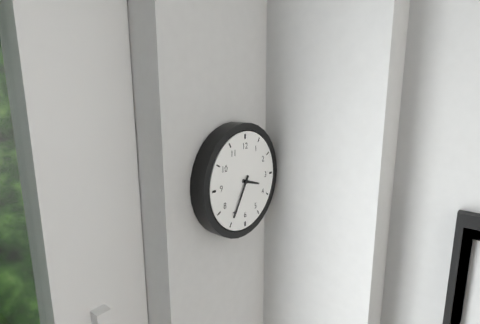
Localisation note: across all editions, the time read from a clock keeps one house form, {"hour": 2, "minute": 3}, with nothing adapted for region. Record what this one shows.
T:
{"hour": 3, "minute": 35}
